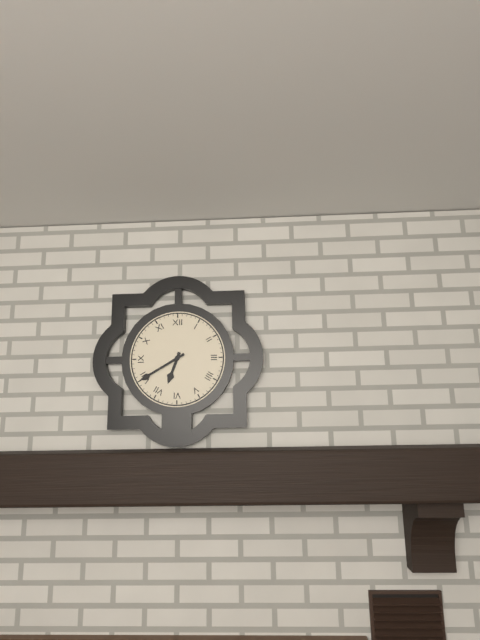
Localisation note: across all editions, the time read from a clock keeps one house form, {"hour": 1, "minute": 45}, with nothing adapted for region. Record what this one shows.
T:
{"hour": 6, "minute": 40}
